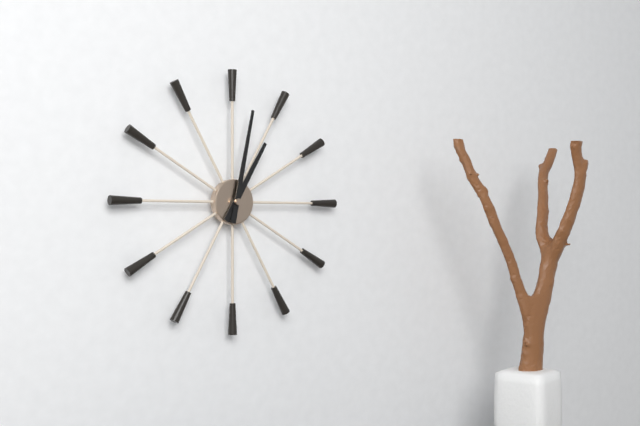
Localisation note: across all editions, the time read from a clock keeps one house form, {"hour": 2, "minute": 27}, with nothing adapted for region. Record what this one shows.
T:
{"hour": 1, "minute": 2}
